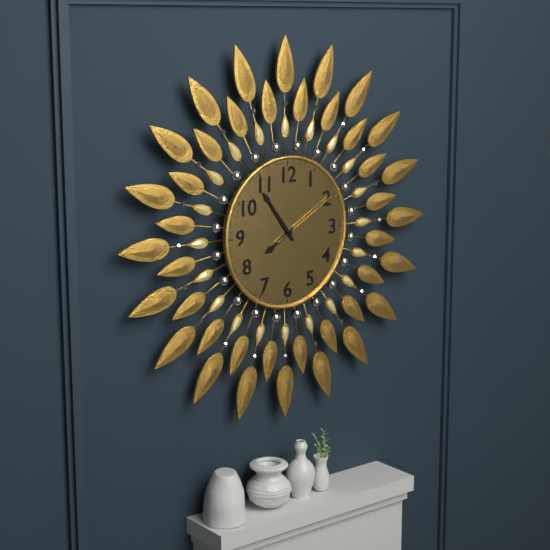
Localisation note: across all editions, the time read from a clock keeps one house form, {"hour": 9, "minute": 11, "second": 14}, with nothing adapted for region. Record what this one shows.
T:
{"hour": 7, "minute": 54, "second": 10}
